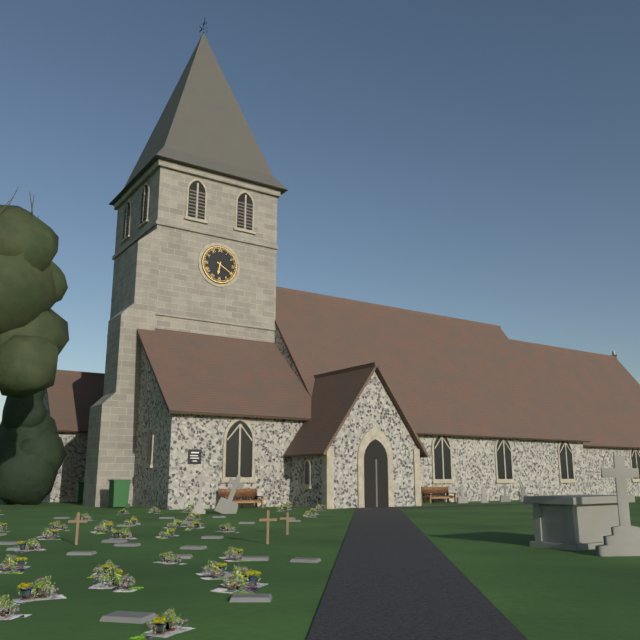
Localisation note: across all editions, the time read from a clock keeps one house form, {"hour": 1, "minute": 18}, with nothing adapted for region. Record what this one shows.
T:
{"hour": 6, "minute": 20}
